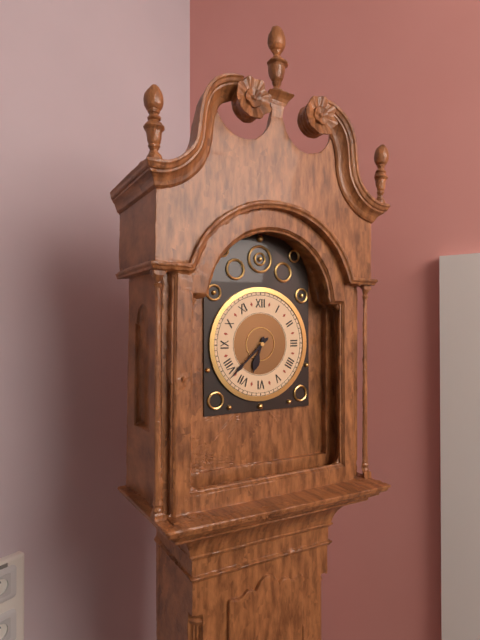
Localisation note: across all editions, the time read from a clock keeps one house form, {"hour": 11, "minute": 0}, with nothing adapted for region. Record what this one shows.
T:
{"hour": 6, "minute": 38}
